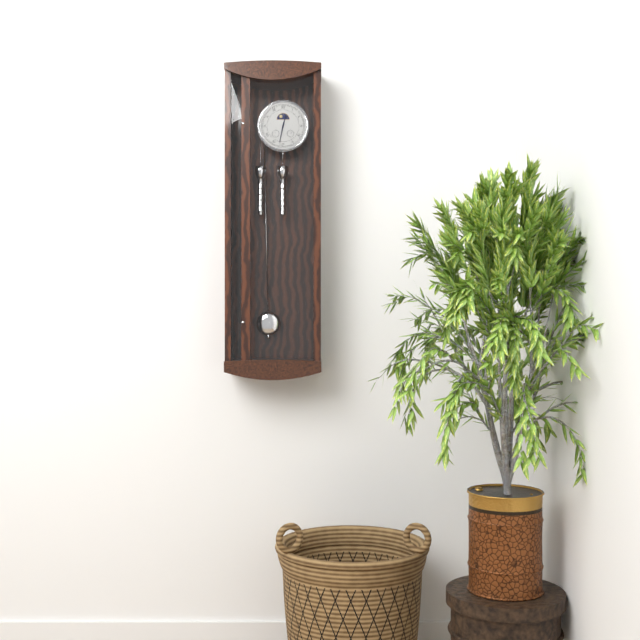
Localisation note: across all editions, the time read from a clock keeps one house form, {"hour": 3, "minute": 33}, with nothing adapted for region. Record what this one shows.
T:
{"hour": 12, "minute": 32}
